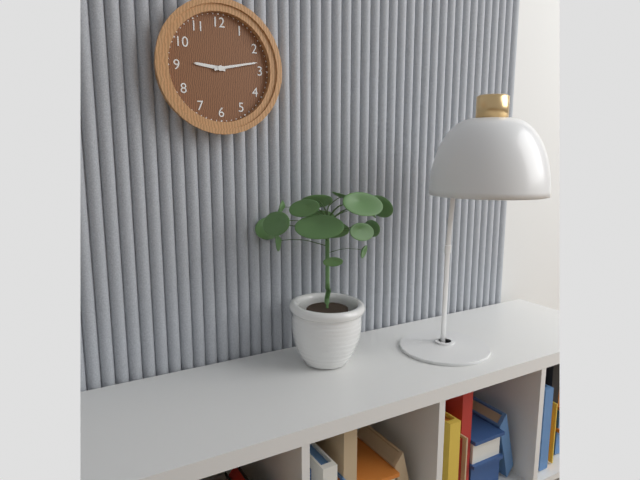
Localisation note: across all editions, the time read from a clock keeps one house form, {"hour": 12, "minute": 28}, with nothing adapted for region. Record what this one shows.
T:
{"hour": 9, "minute": 13}
